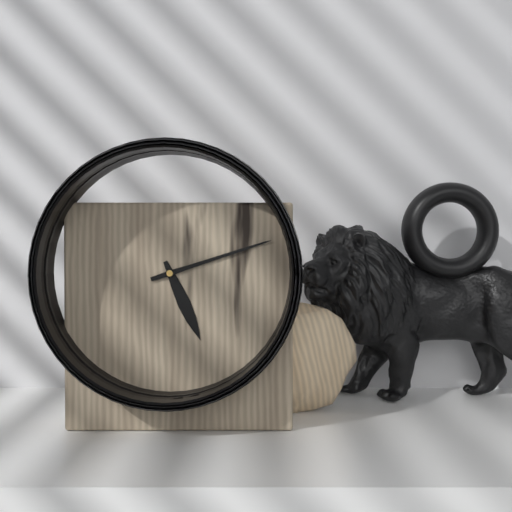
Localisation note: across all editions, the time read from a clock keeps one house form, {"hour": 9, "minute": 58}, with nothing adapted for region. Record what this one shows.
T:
{"hour": 5, "minute": 12}
